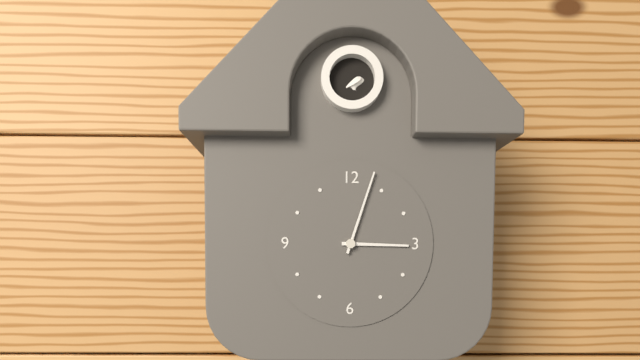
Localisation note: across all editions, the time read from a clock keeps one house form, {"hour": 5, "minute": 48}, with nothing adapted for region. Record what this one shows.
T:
{"hour": 3, "minute": 3}
